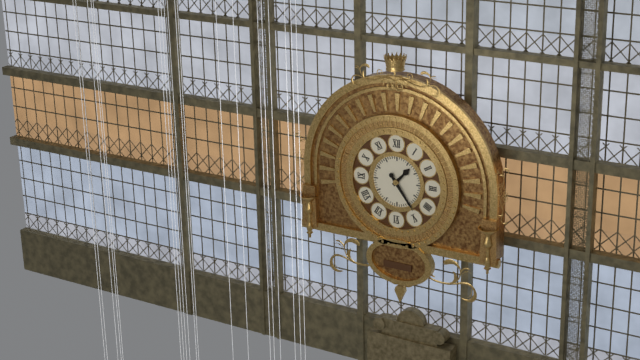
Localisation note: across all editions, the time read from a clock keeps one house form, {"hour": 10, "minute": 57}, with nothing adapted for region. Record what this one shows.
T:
{"hour": 1, "minute": 24}
